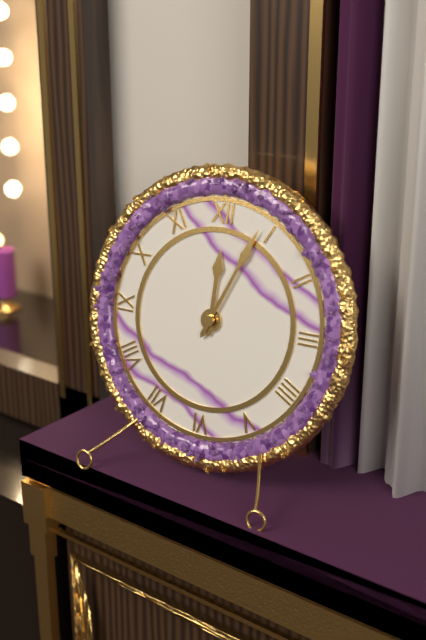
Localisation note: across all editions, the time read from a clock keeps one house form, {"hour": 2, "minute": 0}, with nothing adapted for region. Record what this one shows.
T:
{"hour": 12, "minute": 4}
